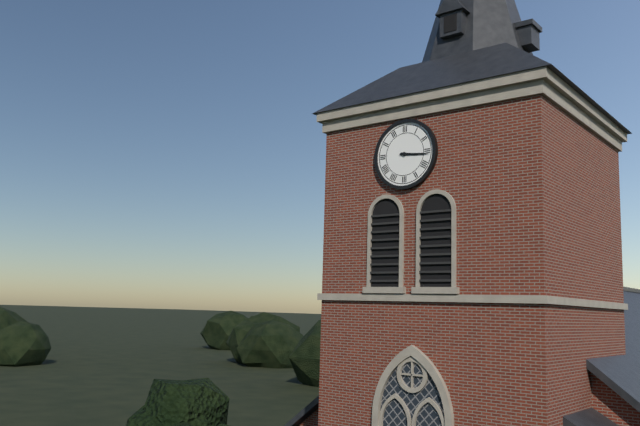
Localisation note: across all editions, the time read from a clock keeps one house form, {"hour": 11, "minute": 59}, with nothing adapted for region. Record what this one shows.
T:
{"hour": 3, "minute": 16}
